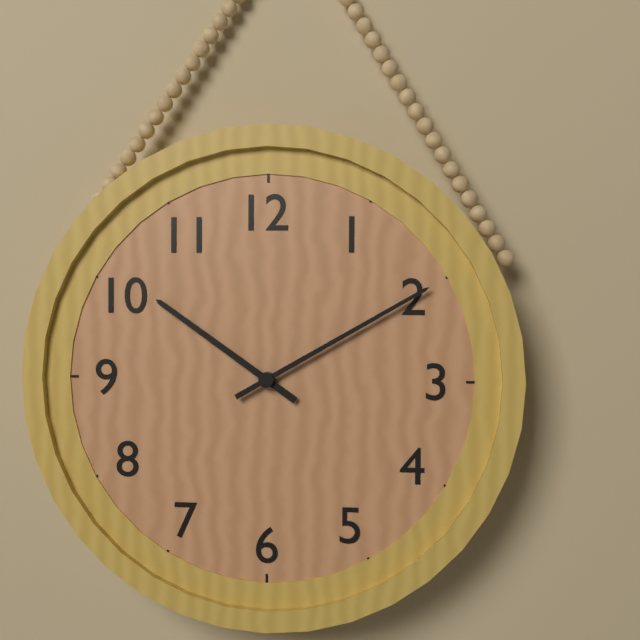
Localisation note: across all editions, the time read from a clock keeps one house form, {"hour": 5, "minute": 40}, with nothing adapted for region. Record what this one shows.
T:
{"hour": 10, "minute": 10}
